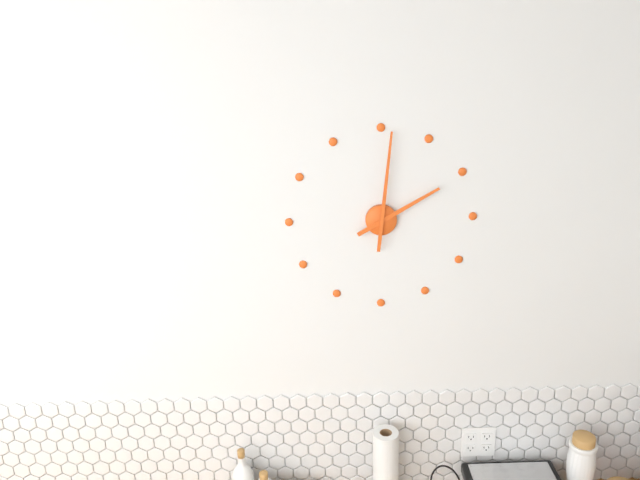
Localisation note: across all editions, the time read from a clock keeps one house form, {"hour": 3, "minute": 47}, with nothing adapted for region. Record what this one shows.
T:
{"hour": 2, "minute": 1}
